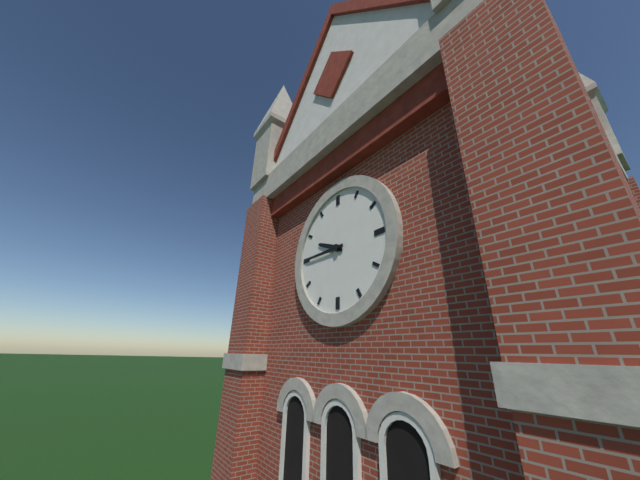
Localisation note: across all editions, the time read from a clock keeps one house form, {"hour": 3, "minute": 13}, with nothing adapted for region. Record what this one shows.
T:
{"hour": 9, "minute": 45}
